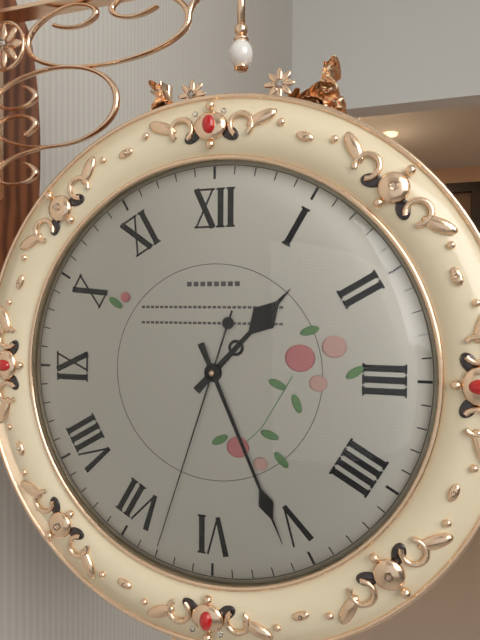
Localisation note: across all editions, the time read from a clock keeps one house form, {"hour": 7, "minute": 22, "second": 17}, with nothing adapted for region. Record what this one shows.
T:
{"hour": 1, "minute": 26, "second": 33}
